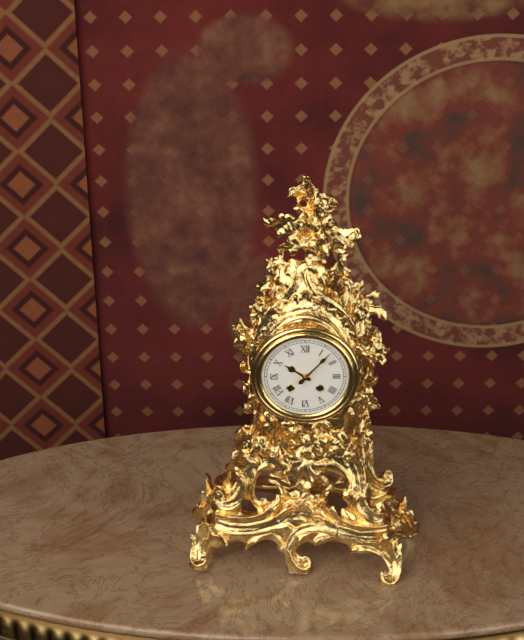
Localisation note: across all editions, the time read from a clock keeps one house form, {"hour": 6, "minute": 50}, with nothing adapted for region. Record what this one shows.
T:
{"hour": 10, "minute": 7}
